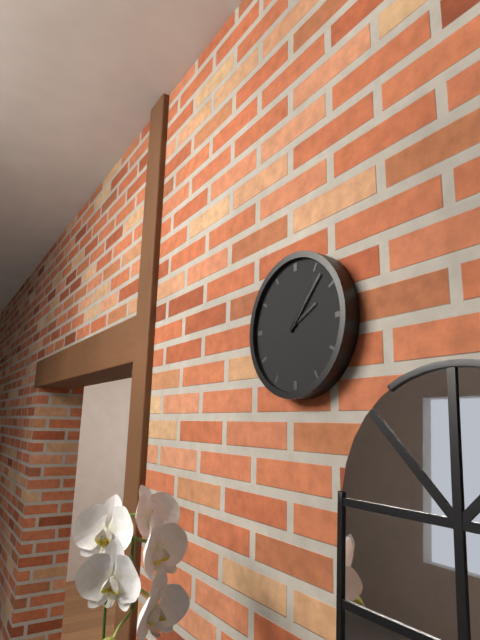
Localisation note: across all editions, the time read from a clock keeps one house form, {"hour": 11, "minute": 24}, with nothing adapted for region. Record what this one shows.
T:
{"hour": 2, "minute": 7}
